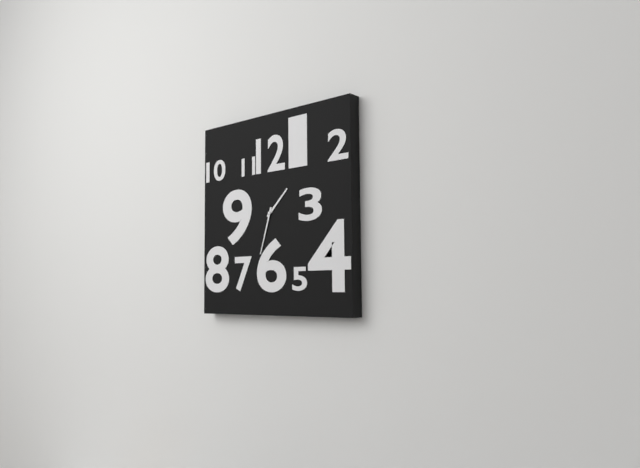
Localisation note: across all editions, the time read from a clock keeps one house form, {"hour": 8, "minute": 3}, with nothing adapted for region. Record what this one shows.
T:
{"hour": 1, "minute": 33}
